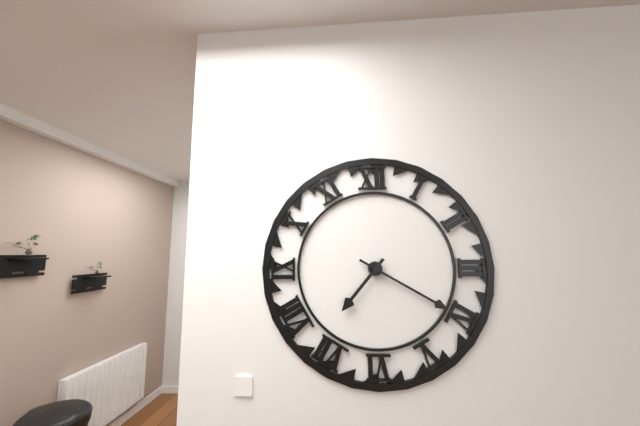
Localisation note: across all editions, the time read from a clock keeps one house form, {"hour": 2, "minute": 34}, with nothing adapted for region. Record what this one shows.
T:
{"hour": 7, "minute": 20}
